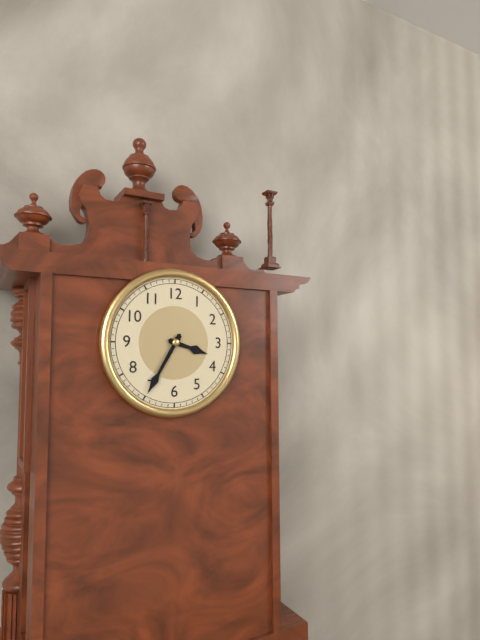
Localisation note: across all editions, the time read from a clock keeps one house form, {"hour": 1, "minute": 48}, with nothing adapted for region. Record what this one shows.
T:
{"hour": 3, "minute": 35}
